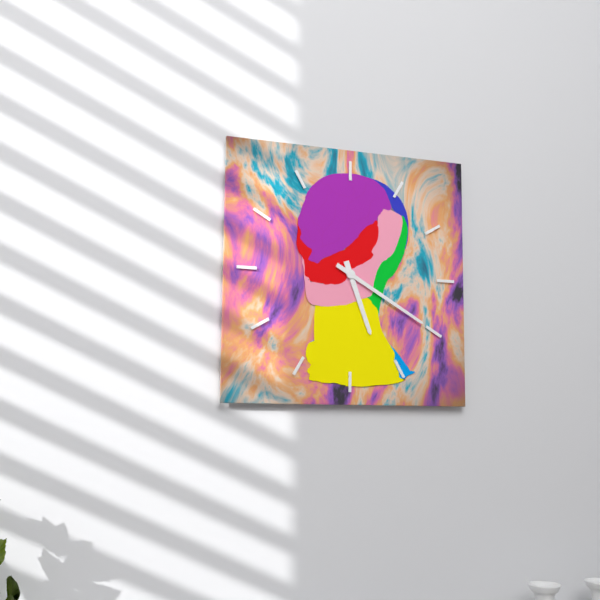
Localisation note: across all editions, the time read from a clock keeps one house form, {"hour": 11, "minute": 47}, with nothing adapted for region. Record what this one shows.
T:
{"hour": 5, "minute": 20}
